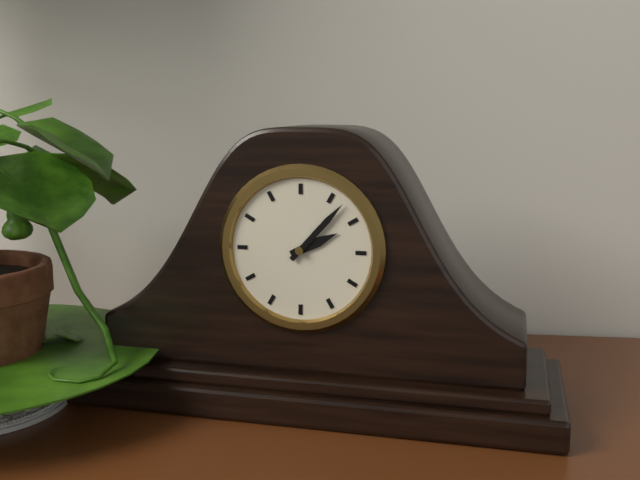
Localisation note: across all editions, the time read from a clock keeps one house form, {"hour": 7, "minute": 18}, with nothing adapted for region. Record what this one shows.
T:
{"hour": 2, "minute": 7}
